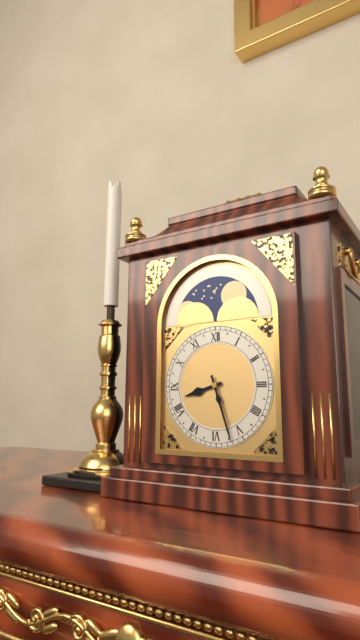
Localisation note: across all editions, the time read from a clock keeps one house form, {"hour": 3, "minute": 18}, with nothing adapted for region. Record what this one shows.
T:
{"hour": 8, "minute": 27}
